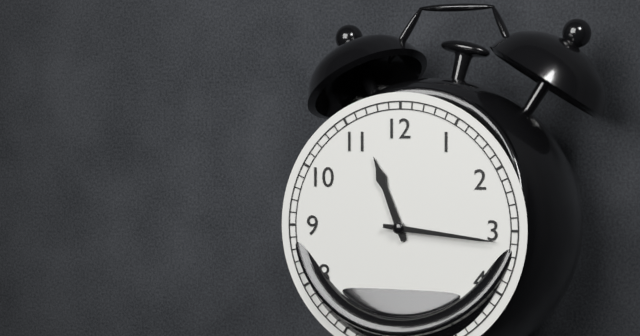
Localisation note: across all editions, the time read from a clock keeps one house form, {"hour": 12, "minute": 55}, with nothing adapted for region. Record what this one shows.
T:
{"hour": 11, "minute": 16}
